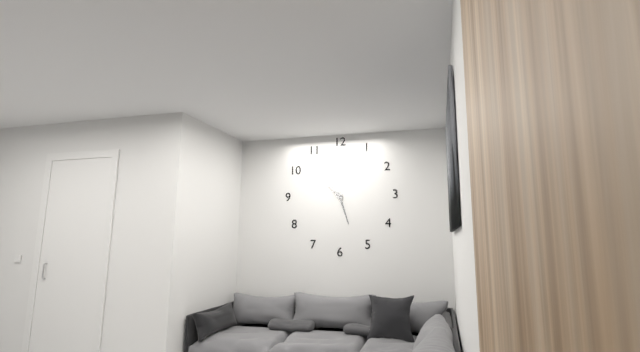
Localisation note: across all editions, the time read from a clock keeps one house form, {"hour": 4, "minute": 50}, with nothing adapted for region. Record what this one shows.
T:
{"hour": 10, "minute": 27}
